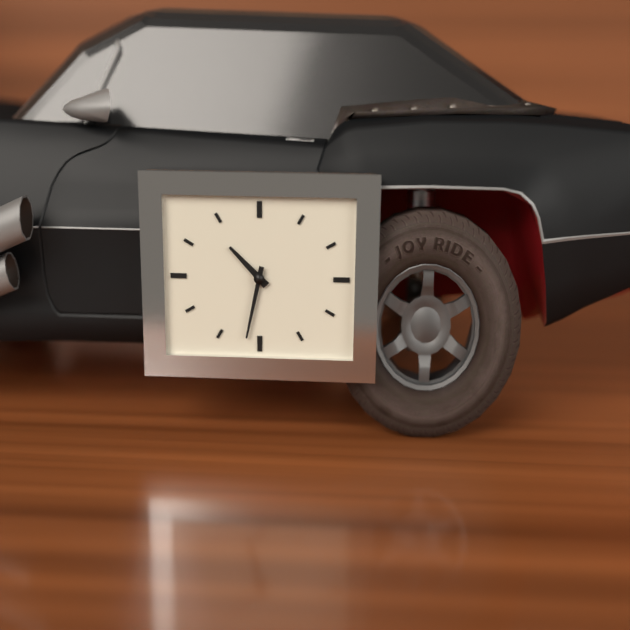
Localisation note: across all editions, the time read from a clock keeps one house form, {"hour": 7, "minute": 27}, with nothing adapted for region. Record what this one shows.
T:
{"hour": 10, "minute": 32}
